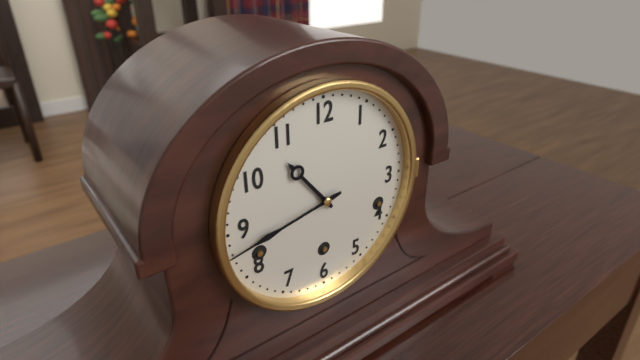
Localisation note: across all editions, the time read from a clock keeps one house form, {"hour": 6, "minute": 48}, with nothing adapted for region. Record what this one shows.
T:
{"hour": 10, "minute": 43}
